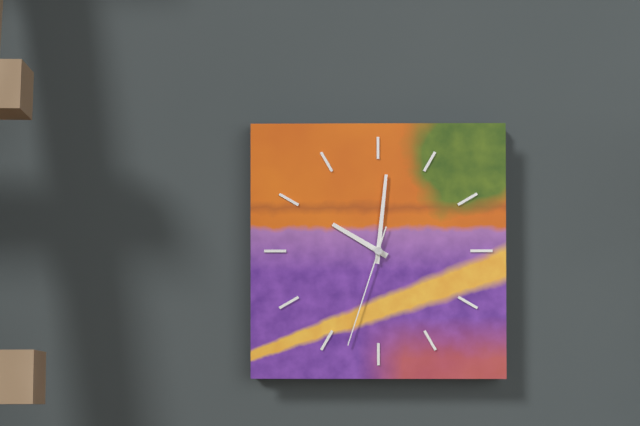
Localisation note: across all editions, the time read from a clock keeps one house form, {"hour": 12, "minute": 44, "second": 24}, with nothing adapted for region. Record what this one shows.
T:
{"hour": 10, "minute": 1, "second": 33}
